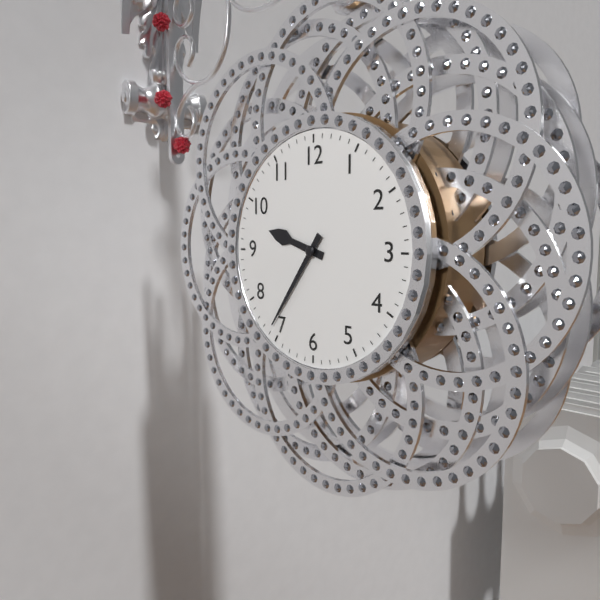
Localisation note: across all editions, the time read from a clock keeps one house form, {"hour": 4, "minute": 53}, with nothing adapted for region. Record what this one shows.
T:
{"hour": 9, "minute": 36}
